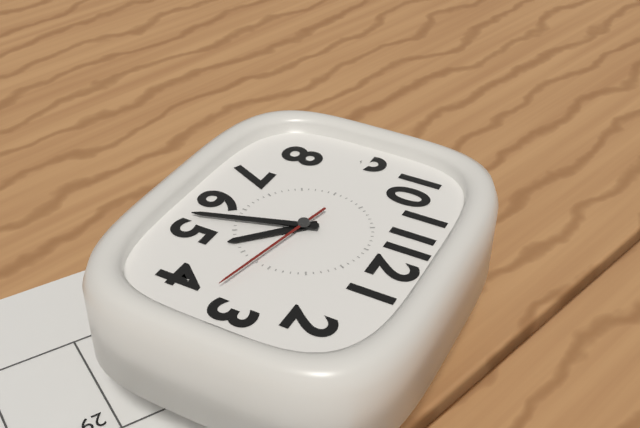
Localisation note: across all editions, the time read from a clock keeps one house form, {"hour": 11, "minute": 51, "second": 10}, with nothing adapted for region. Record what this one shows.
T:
{"hour": 4, "minute": 27, "second": 17}
